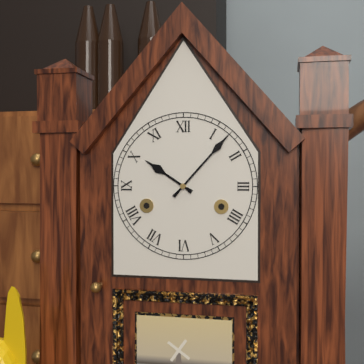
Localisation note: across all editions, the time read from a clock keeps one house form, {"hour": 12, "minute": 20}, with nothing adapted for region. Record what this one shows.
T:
{"hour": 10, "minute": 7}
